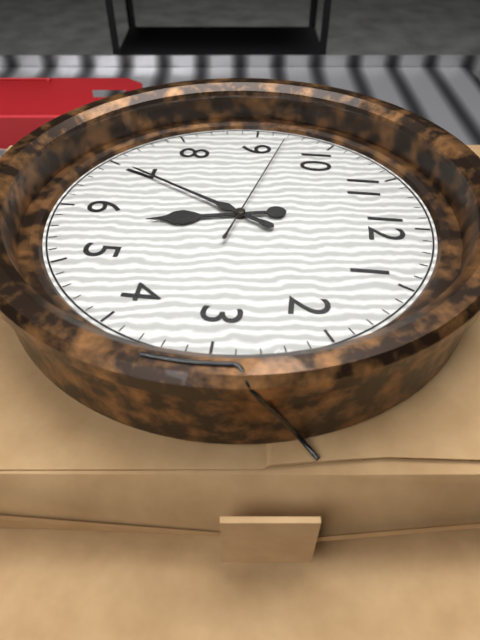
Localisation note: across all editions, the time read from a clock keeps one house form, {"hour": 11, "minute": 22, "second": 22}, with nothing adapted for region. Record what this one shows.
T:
{"hour": 5, "minute": 35, "second": 47}
